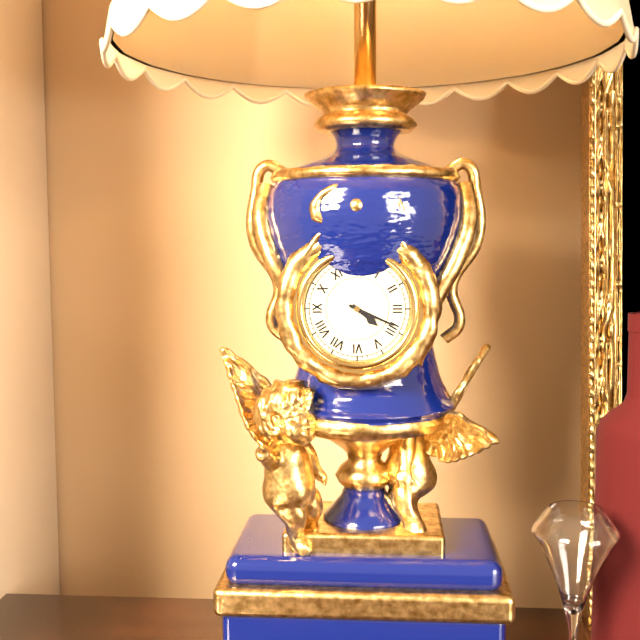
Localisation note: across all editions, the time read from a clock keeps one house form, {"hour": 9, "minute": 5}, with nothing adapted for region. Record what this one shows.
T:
{"hour": 4, "minute": 19}
